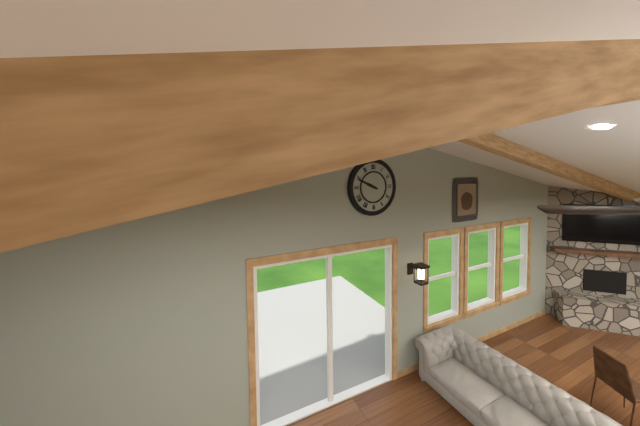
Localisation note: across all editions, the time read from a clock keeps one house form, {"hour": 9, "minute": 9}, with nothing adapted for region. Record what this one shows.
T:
{"hour": 9, "minute": 49}
